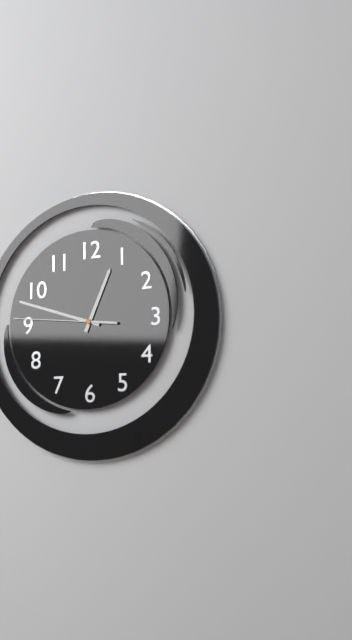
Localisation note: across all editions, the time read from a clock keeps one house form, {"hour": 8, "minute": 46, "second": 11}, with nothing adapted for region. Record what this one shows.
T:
{"hour": 12, "minute": 48, "second": 46}
